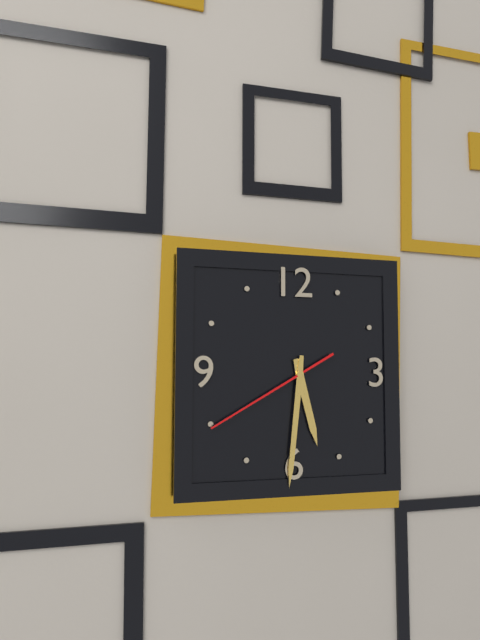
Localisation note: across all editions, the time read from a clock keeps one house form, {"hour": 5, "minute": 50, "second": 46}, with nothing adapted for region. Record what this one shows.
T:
{"hour": 5, "minute": 31, "second": 40}
